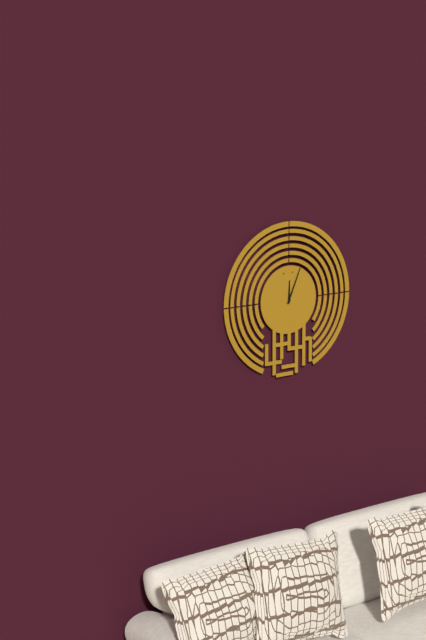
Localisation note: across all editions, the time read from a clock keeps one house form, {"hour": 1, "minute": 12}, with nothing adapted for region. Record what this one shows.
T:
{"hour": 12, "minute": 4}
